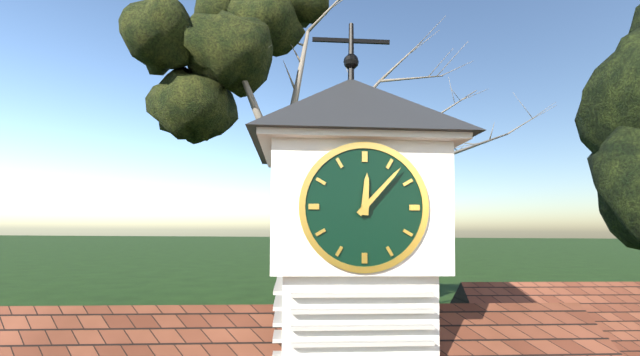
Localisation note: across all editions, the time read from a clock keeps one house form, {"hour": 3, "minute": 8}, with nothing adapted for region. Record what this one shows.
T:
{"hour": 12, "minute": 7}
